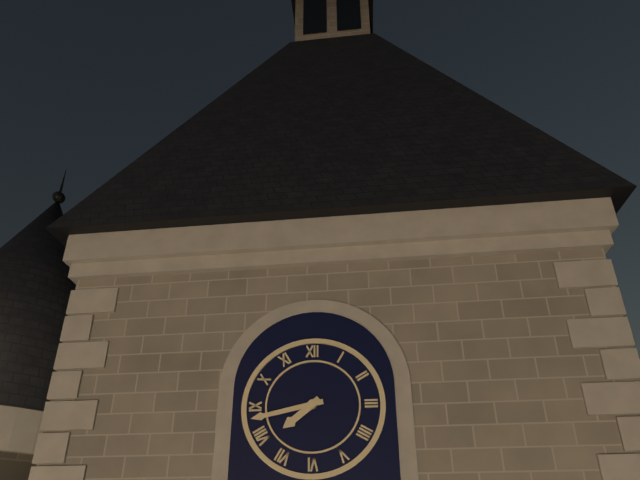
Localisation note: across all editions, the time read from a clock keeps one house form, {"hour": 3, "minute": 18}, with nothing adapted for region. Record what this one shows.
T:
{"hour": 7, "minute": 43}
